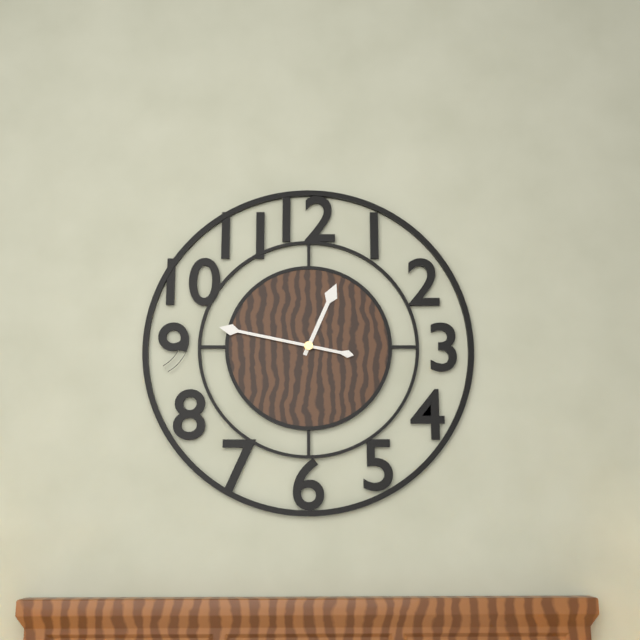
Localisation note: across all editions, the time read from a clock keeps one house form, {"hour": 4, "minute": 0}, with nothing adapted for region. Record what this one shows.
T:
{"hour": 12, "minute": 47}
